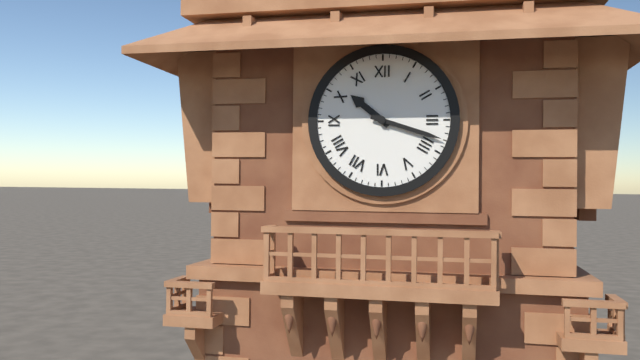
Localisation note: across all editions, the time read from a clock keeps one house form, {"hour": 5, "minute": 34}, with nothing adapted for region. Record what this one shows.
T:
{"hour": 10, "minute": 18}
